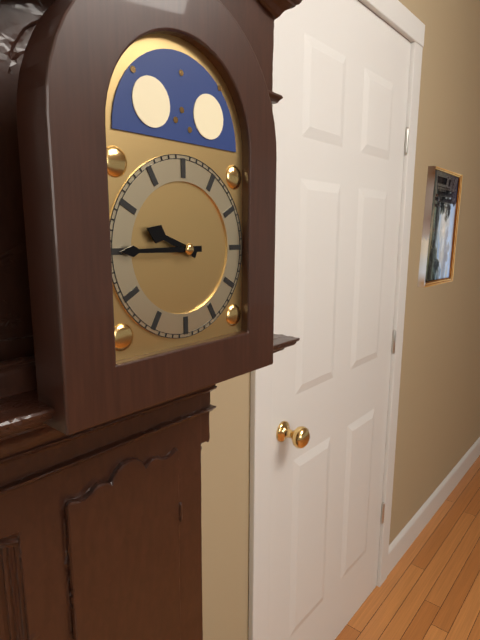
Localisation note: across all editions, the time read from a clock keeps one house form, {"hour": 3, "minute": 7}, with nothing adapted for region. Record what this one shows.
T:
{"hour": 9, "minute": 45}
